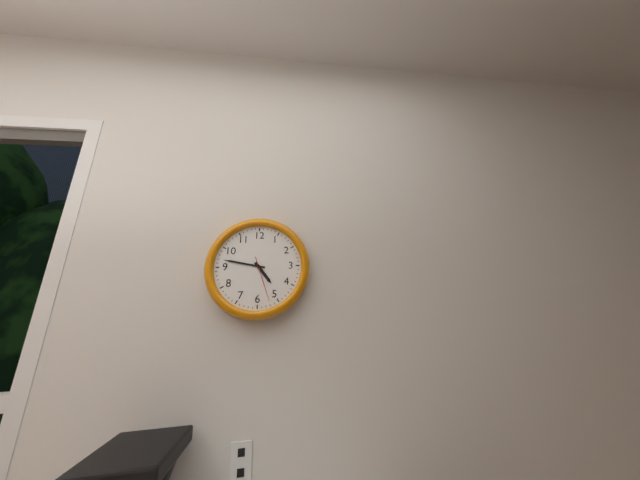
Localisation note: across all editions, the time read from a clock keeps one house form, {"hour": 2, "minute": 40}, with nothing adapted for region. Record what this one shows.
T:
{"hour": 4, "minute": 47}
